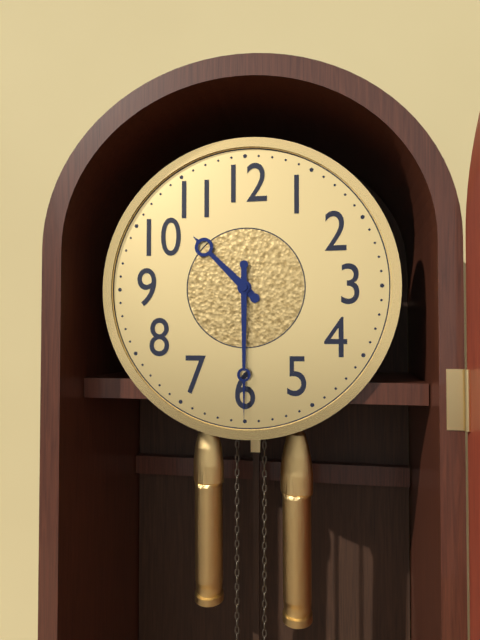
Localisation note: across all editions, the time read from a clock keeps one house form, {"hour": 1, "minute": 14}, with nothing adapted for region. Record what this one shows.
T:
{"hour": 10, "minute": 30}
